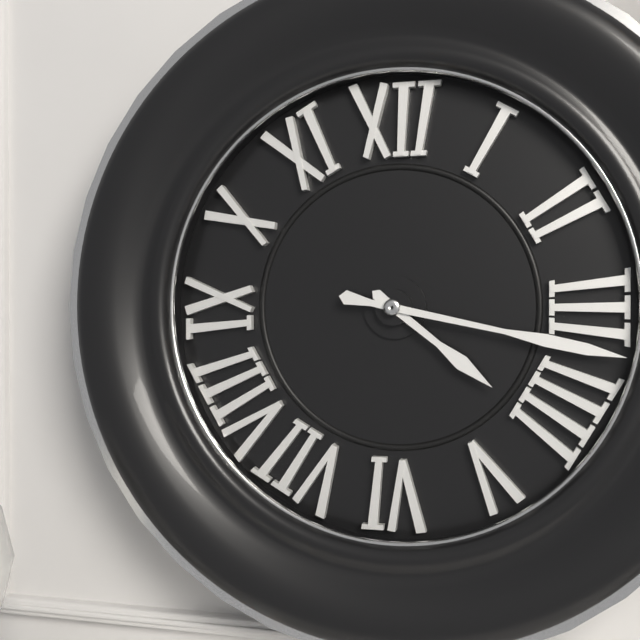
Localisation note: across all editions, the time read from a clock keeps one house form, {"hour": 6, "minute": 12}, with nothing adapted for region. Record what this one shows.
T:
{"hour": 4, "minute": 17}
